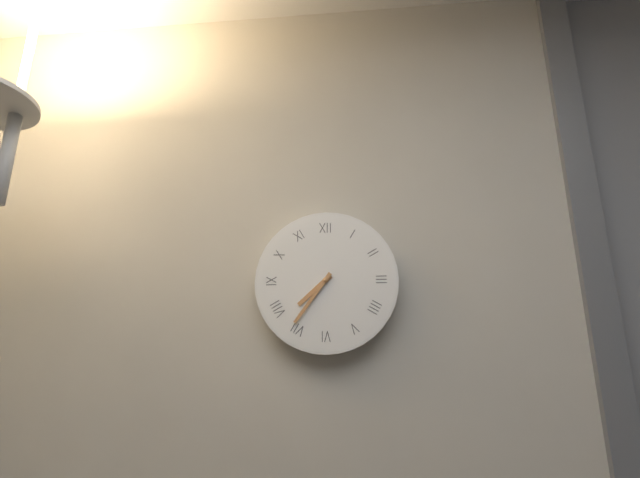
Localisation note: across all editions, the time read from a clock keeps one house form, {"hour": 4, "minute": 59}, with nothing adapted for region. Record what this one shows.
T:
{"hour": 7, "minute": 36}
